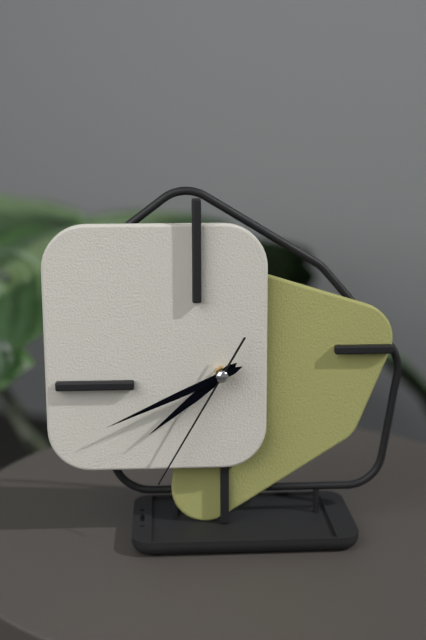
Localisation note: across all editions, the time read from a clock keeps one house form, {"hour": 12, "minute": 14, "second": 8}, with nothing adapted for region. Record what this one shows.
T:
{"hour": 7, "minute": 41, "second": 35}
